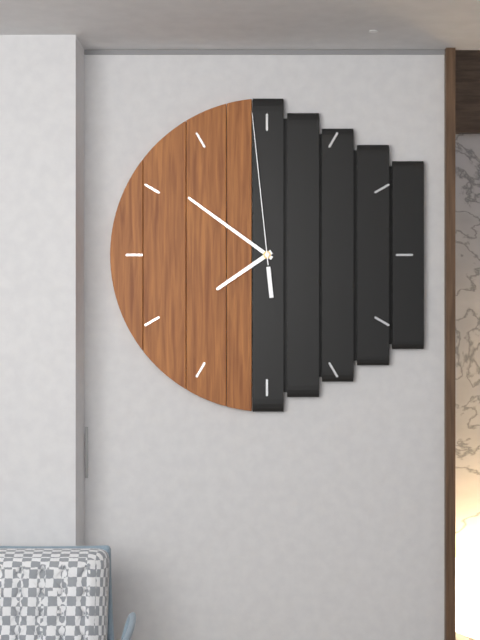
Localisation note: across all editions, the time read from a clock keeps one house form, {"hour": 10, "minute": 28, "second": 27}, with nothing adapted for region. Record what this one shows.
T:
{"hour": 7, "minute": 51, "second": 59}
